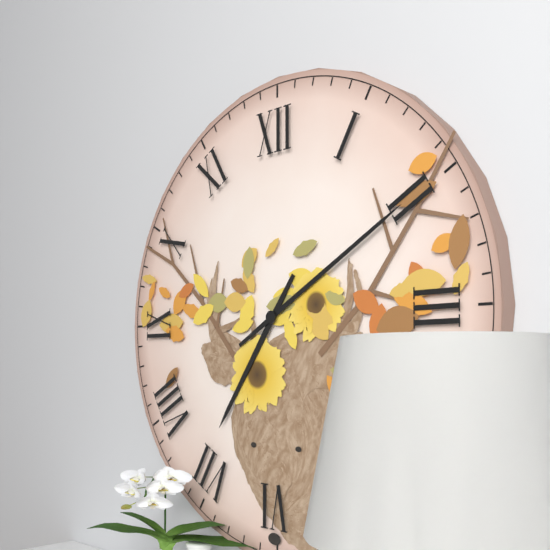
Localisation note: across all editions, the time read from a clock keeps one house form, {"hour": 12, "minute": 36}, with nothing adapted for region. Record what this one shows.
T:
{"hour": 7, "minute": 10}
